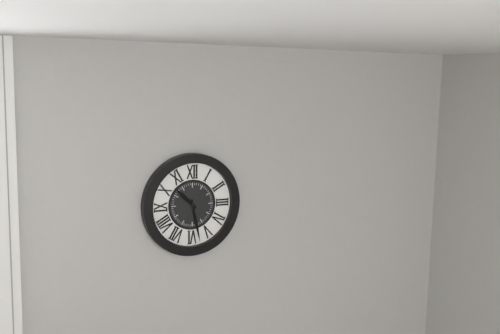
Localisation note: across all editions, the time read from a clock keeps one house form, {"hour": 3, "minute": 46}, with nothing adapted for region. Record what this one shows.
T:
{"hour": 10, "minute": 28}
